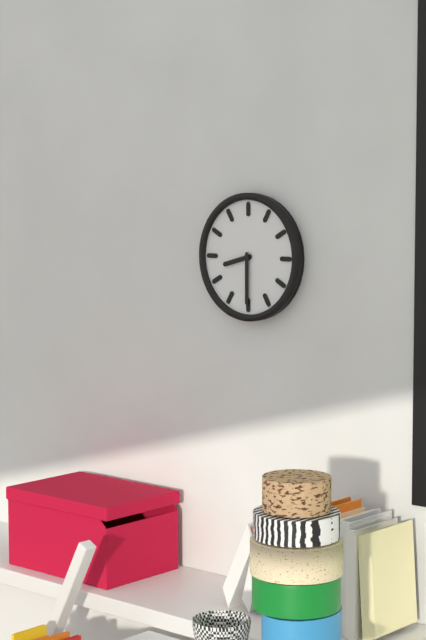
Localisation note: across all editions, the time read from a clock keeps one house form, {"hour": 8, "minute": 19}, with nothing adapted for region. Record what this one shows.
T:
{"hour": 8, "minute": 30}
